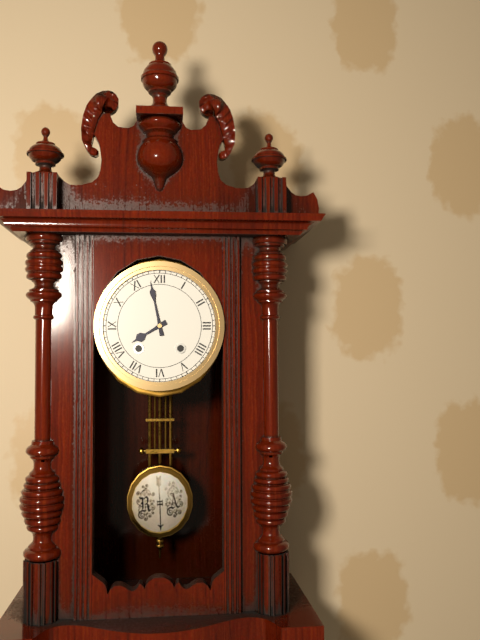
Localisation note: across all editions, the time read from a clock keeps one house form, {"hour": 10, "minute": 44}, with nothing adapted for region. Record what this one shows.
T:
{"hour": 7, "minute": 58}
